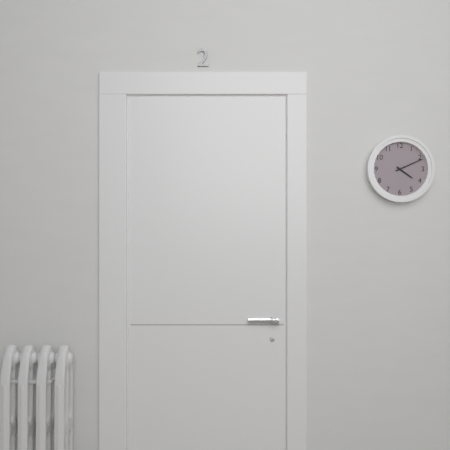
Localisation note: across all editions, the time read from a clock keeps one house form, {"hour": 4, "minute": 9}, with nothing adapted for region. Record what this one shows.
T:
{"hour": 4, "minute": 11}
